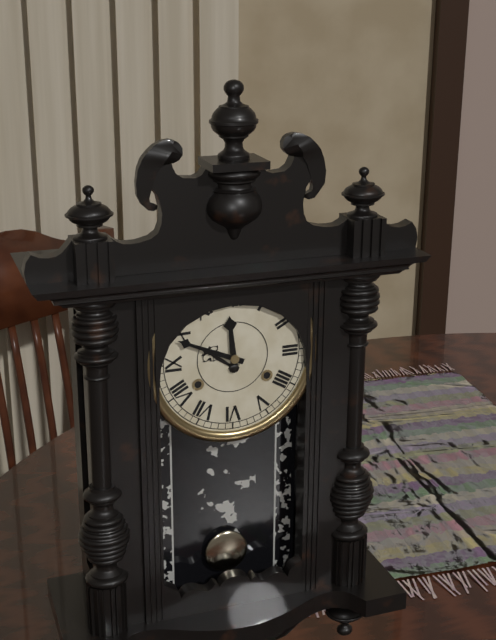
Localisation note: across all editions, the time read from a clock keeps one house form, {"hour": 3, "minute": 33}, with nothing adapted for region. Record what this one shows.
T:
{"hour": 11, "minute": 49}
